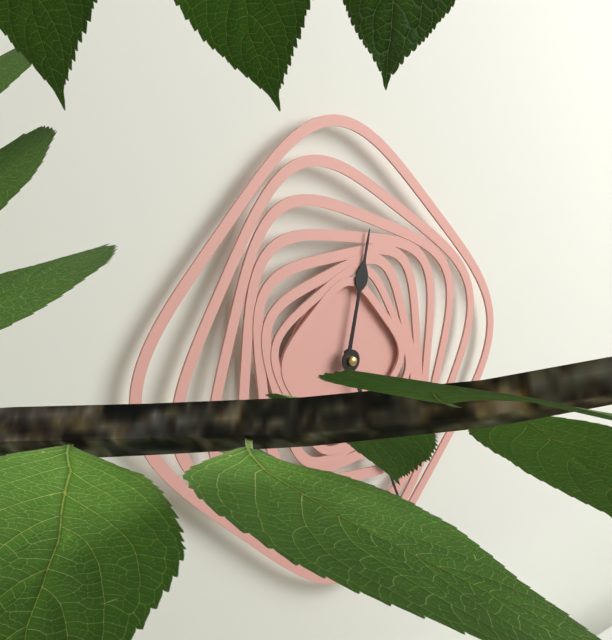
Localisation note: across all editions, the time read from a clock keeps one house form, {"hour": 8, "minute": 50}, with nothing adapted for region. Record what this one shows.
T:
{"hour": 12, "minute": 26}
